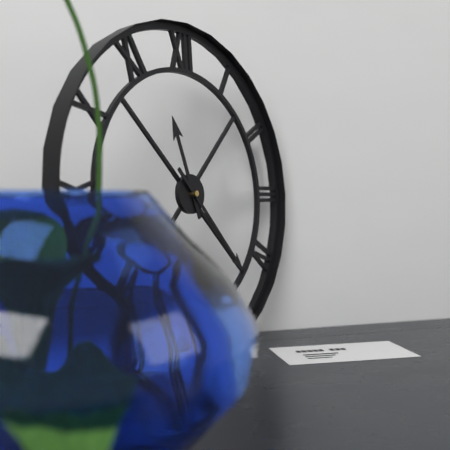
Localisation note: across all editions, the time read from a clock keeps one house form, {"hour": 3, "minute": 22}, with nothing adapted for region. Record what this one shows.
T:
{"hour": 11, "minute": 23}
